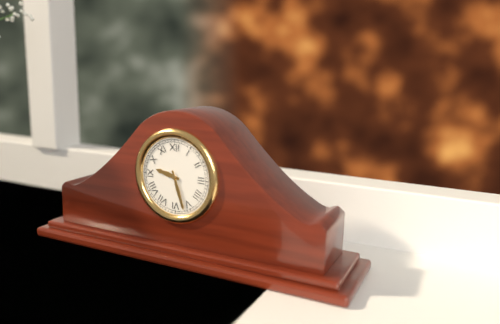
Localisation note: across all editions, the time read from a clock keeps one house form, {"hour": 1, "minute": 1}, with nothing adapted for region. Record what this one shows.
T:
{"hour": 9, "minute": 27}
